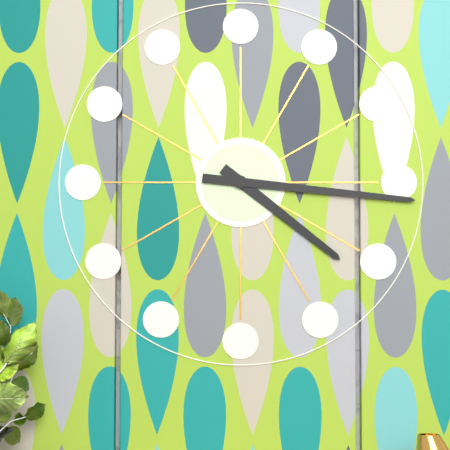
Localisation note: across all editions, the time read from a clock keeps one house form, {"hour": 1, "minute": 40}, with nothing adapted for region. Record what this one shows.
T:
{"hour": 4, "minute": 16}
